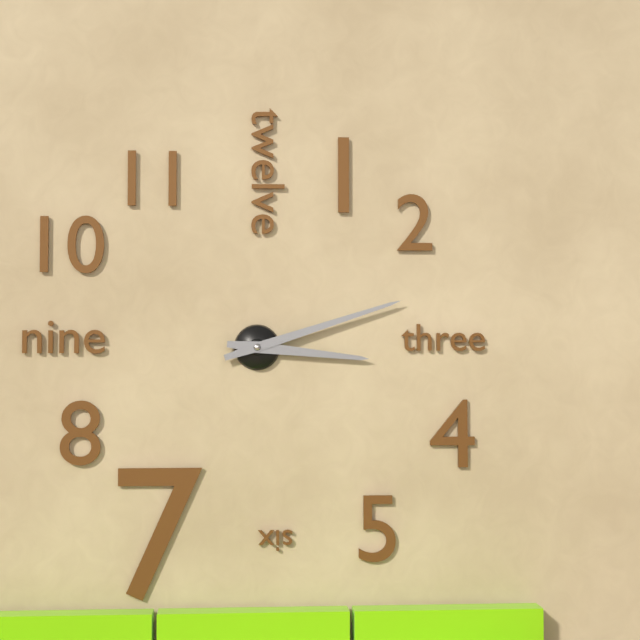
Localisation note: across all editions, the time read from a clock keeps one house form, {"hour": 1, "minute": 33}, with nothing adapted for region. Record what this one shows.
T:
{"hour": 3, "minute": 12}
